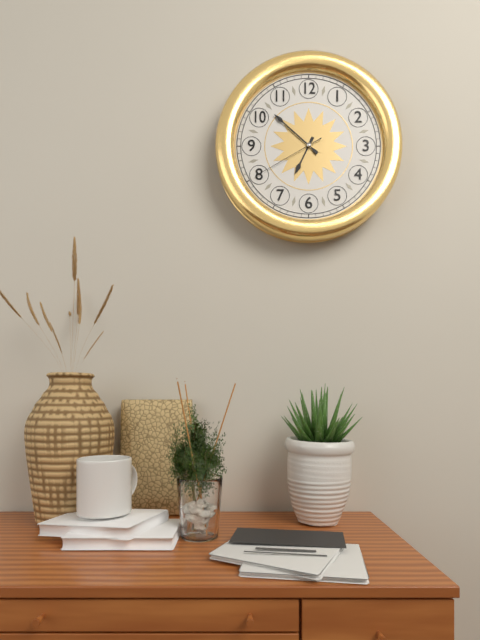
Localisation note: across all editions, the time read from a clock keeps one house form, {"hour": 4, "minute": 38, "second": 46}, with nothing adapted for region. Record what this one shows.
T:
{"hour": 6, "minute": 52, "second": 40}
